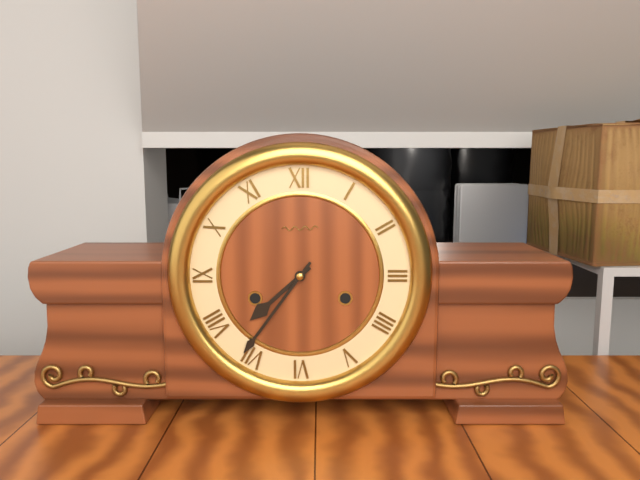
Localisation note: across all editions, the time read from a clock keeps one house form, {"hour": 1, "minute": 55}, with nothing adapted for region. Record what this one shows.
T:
{"hour": 7, "minute": 36}
